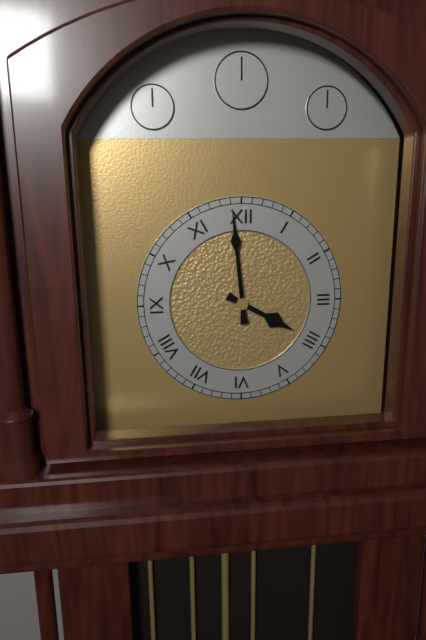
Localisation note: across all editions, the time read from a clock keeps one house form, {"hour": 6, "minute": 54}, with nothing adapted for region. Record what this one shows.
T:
{"hour": 3, "minute": 59}
